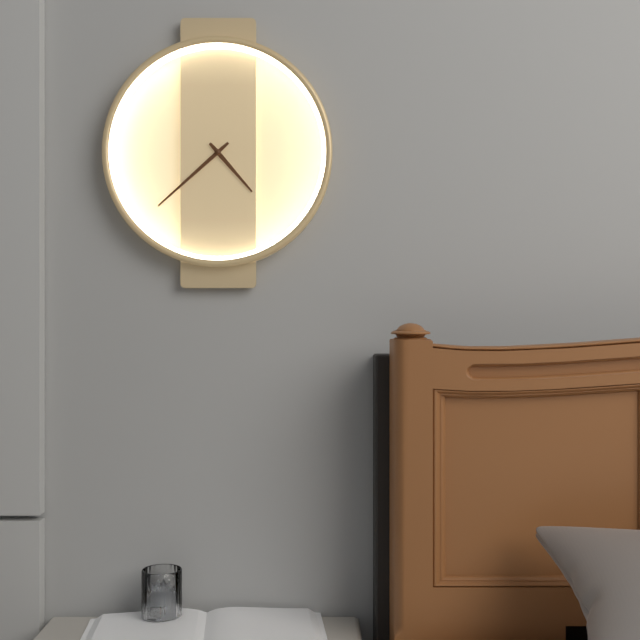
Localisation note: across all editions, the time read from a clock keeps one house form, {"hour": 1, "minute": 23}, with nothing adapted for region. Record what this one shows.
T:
{"hour": 4, "minute": 38}
